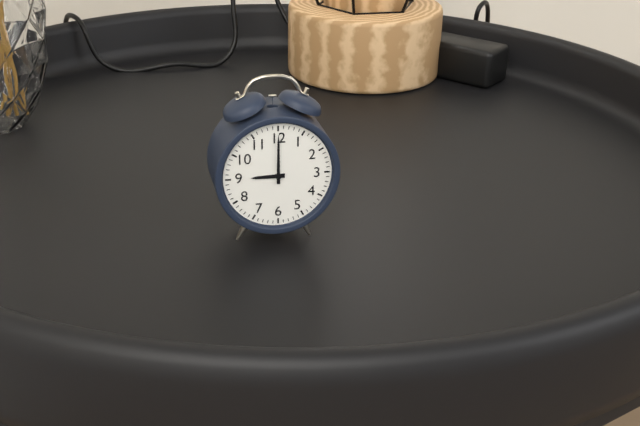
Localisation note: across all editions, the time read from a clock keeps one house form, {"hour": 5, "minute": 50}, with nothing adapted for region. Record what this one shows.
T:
{"hour": 9, "minute": 0}
